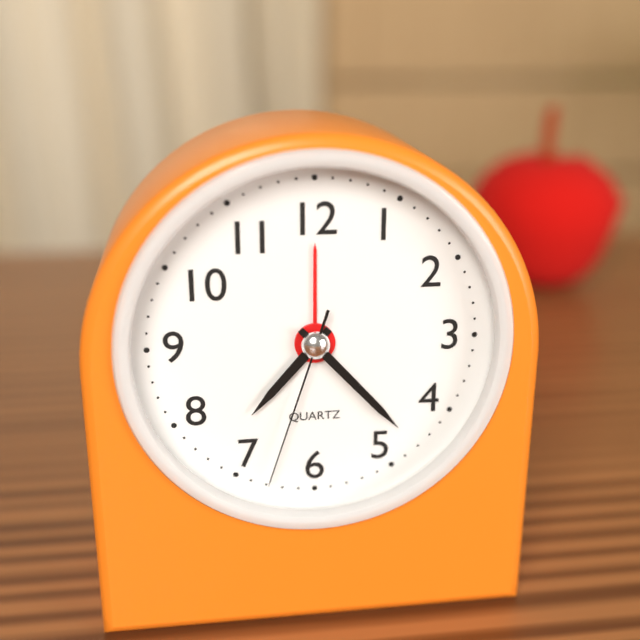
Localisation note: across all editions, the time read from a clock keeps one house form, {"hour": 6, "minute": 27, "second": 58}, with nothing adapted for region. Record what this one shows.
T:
{"hour": 7, "minute": 23, "second": 33}
